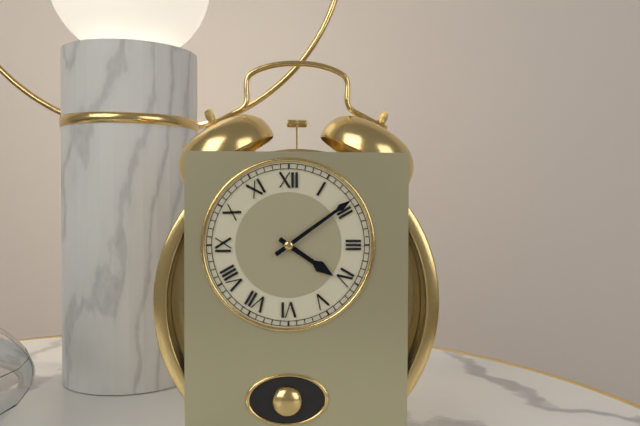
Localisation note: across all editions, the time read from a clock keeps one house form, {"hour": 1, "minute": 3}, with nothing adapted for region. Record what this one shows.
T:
{"hour": 4, "minute": 9}
